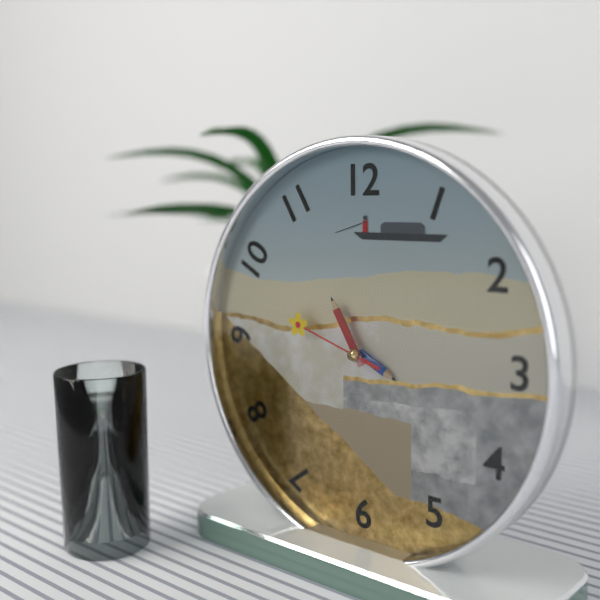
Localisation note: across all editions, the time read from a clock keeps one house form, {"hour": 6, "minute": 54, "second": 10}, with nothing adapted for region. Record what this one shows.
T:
{"hour": 3, "minute": 55, "second": 48}
